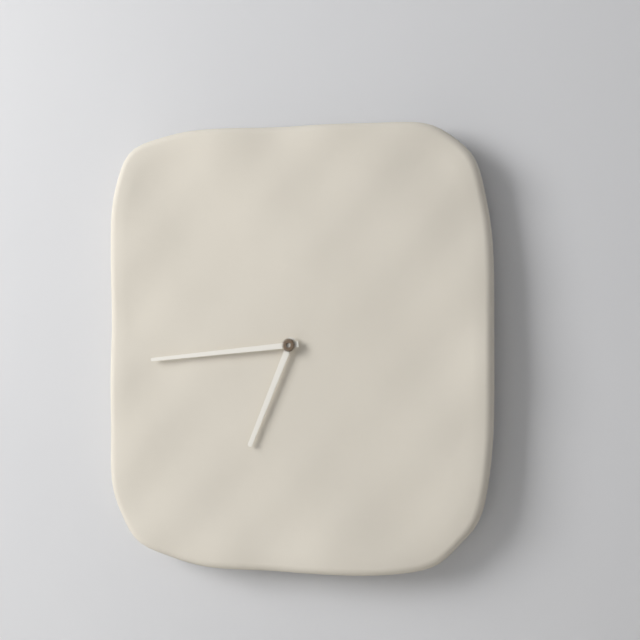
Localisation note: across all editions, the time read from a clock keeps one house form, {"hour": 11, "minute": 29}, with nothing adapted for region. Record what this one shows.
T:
{"hour": 6, "minute": 44}
